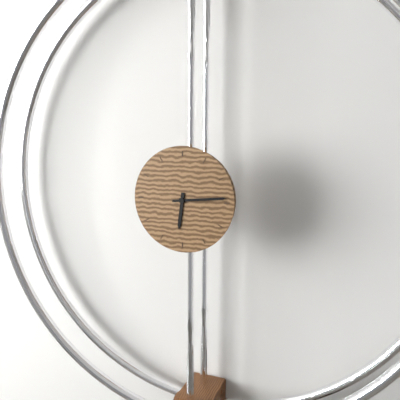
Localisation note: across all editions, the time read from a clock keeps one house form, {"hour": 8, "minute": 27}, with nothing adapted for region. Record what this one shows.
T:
{"hour": 6, "minute": 14}
